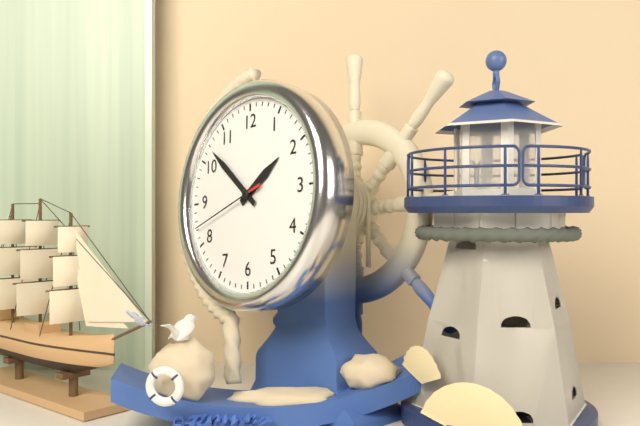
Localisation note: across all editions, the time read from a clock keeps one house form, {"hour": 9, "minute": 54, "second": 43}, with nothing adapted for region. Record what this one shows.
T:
{"hour": 1, "minute": 52, "second": 42}
